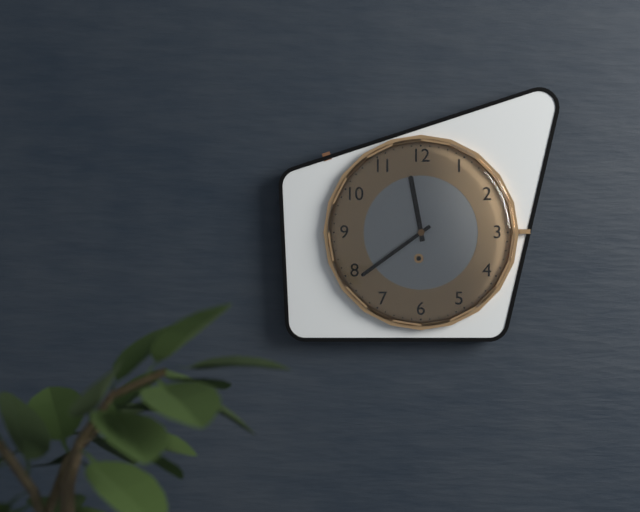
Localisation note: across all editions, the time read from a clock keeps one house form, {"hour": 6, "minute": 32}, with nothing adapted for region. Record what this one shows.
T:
{"hour": 11, "minute": 39}
